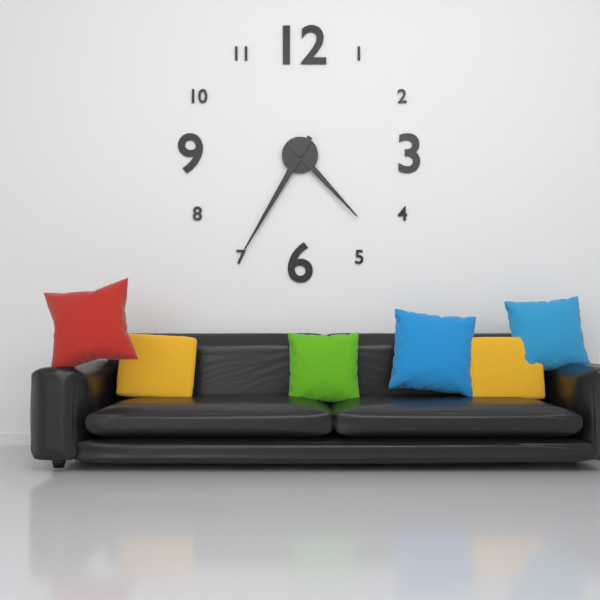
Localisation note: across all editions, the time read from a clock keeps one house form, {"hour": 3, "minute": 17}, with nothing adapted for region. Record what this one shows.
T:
{"hour": 4, "minute": 35}
